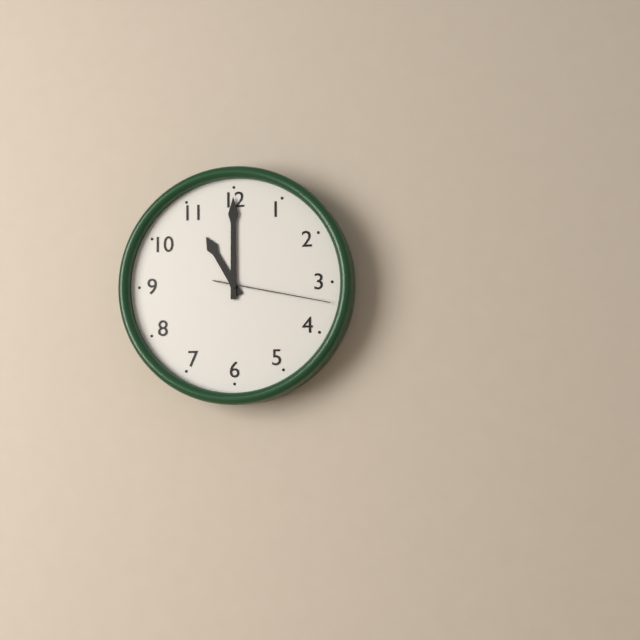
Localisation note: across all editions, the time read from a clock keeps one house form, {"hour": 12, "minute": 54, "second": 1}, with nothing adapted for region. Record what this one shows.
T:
{"hour": 11, "minute": 0, "second": 17}
